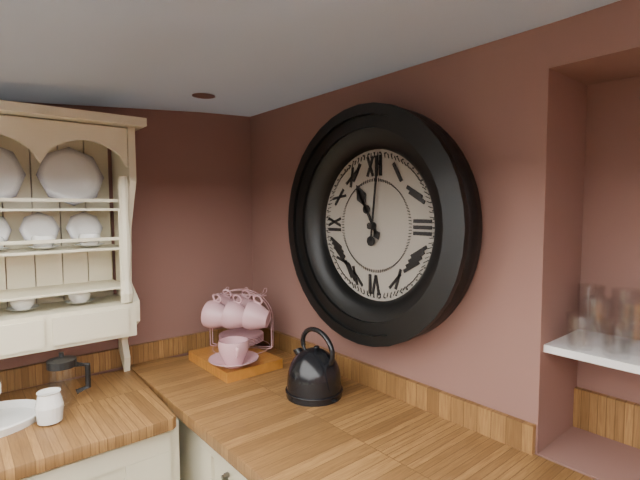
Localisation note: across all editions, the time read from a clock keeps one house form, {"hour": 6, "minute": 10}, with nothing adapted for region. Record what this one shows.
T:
{"hour": 11, "minute": 1}
